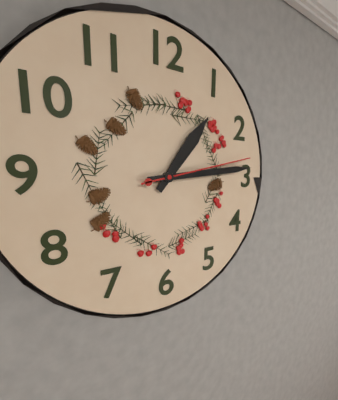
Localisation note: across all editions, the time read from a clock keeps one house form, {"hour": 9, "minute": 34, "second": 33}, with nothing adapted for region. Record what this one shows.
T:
{"hour": 1, "minute": 14, "second": 13}
